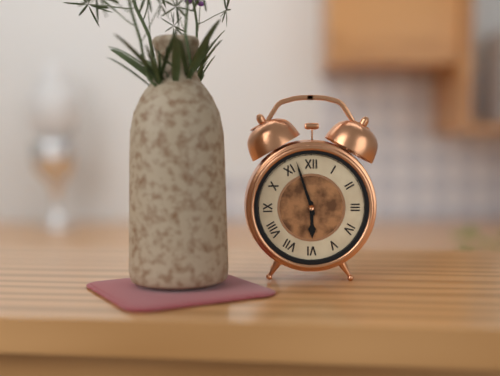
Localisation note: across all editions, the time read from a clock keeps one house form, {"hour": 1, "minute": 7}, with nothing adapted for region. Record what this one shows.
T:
{"hour": 5, "minute": 57}
